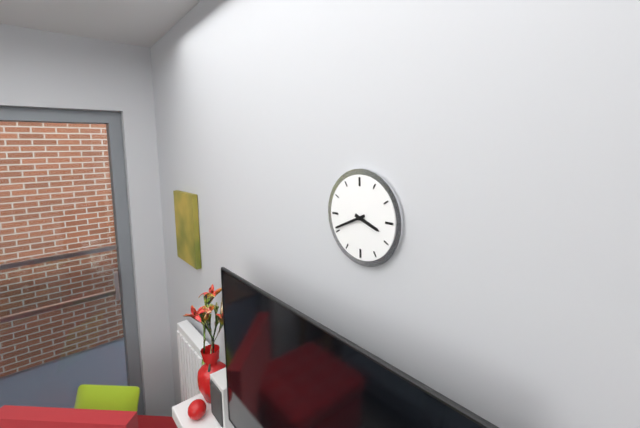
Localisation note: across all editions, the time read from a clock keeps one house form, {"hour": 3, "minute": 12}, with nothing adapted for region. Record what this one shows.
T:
{"hour": 3, "minute": 41}
